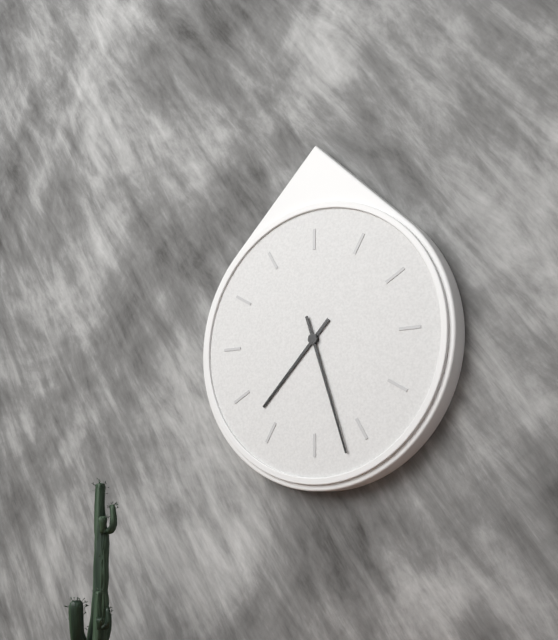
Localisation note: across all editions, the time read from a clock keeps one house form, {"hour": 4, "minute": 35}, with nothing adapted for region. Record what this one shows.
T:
{"hour": 7, "minute": 27}
